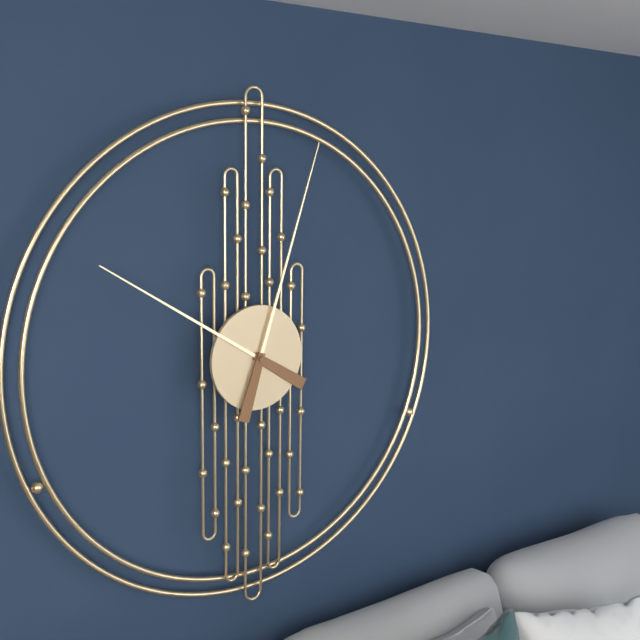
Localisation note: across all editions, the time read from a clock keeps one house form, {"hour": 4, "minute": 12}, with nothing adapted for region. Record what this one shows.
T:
{"hour": 10, "minute": 3}
